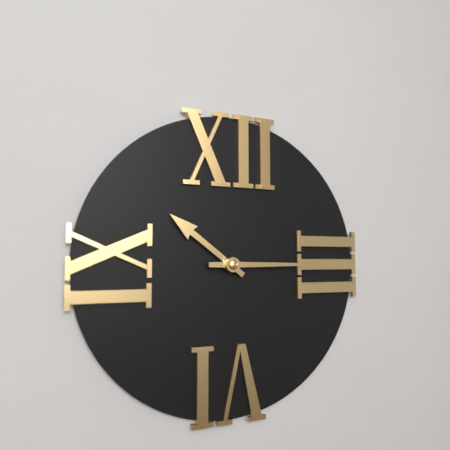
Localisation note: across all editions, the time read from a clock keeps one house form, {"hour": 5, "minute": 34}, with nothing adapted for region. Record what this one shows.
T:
{"hour": 10, "minute": 15}
